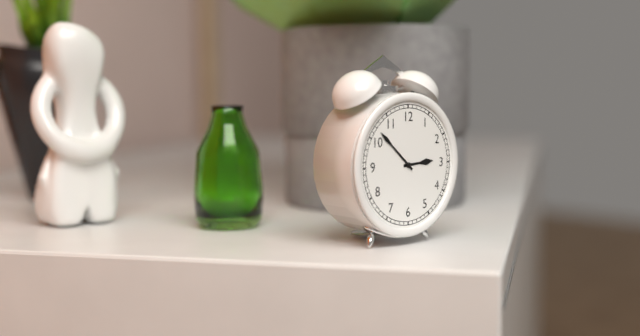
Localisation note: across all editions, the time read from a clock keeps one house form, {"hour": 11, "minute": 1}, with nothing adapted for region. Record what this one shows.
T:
{"hour": 2, "minute": 52}
